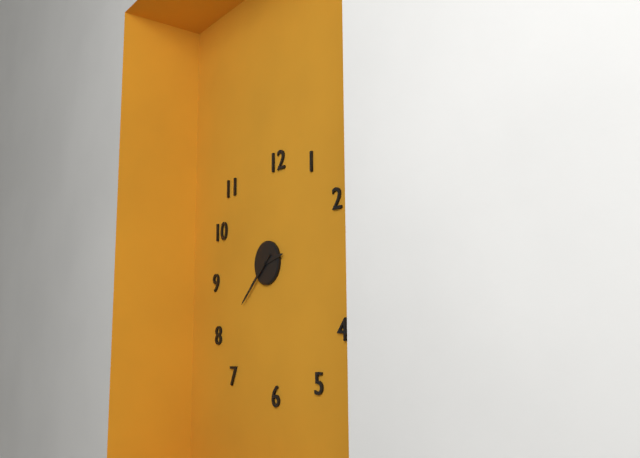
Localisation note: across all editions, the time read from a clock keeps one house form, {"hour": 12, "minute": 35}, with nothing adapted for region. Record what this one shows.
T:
{"hour": 2, "minute": 38}
